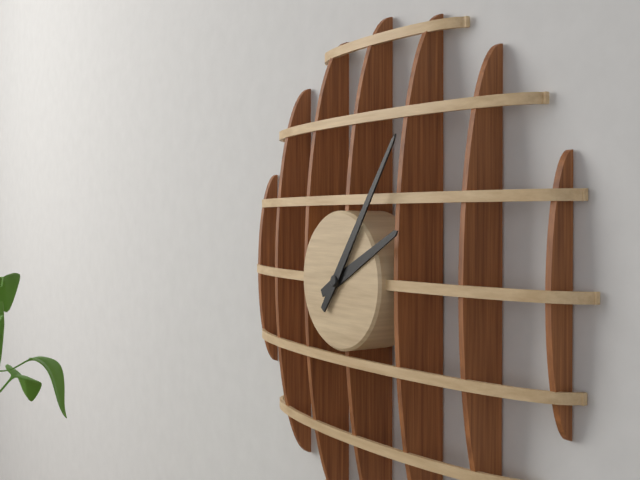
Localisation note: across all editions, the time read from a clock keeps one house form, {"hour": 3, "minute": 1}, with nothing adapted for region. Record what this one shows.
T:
{"hour": 2, "minute": 6}
